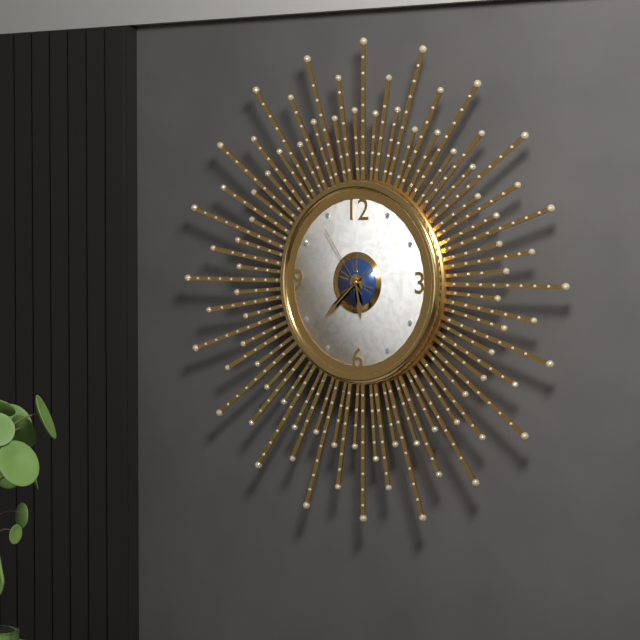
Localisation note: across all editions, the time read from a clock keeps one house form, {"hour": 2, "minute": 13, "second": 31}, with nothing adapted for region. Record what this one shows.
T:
{"hour": 5, "minute": 38, "second": 54}
